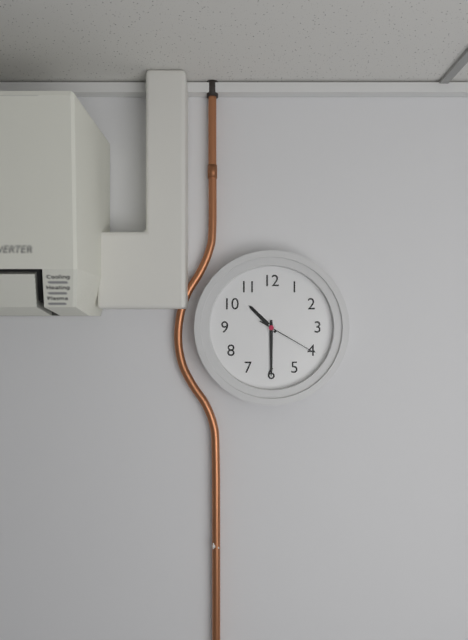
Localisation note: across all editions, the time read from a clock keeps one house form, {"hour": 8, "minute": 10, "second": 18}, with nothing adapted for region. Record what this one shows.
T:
{"hour": 10, "minute": 30, "second": 20}
